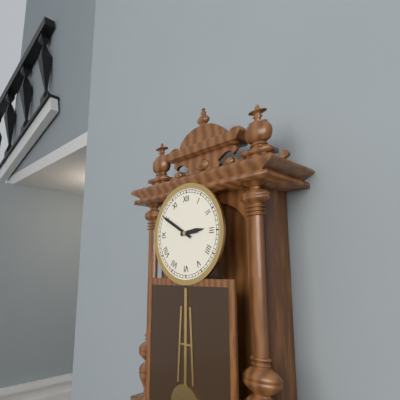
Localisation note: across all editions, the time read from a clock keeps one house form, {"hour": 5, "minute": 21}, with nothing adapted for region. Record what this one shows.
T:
{"hour": 2, "minute": 50}
